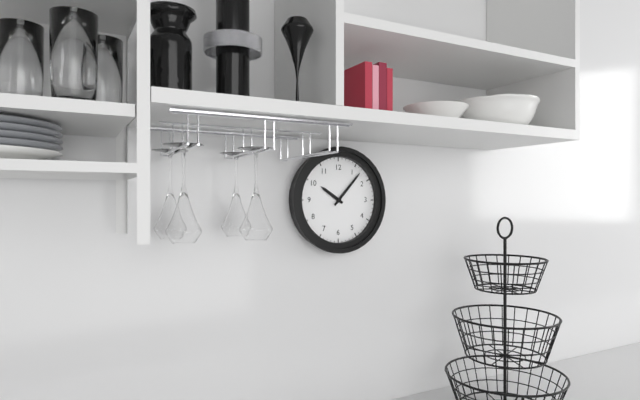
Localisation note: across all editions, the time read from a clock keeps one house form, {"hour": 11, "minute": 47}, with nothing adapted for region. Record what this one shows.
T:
{"hour": 10, "minute": 7}
